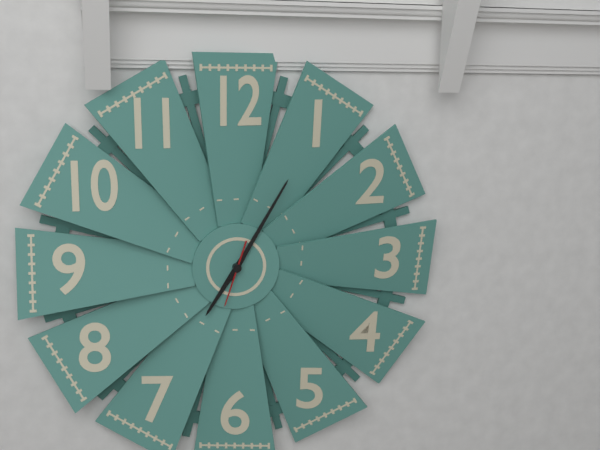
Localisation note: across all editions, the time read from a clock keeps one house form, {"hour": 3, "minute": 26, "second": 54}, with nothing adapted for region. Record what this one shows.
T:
{"hour": 7, "minute": 5, "second": 33}
